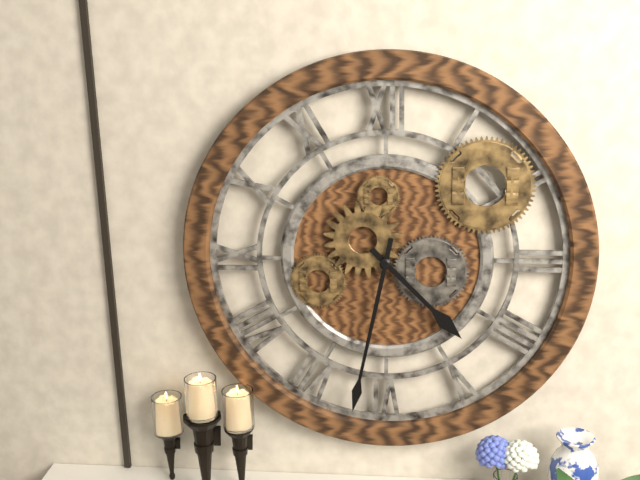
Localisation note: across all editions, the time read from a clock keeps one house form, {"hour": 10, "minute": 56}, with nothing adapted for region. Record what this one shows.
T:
{"hour": 4, "minute": 32}
